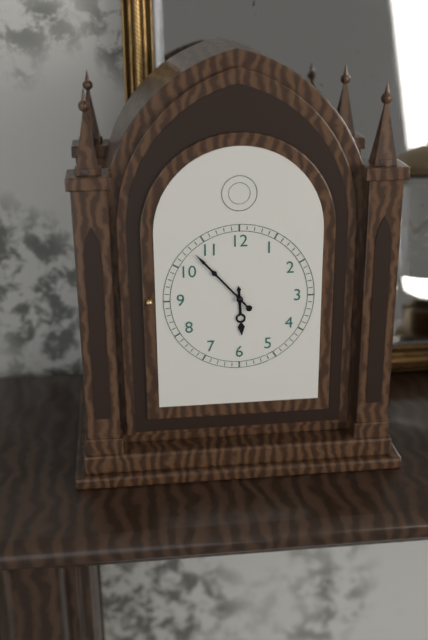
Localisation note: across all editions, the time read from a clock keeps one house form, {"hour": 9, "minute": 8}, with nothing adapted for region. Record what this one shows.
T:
{"hour": 5, "minute": 53}
